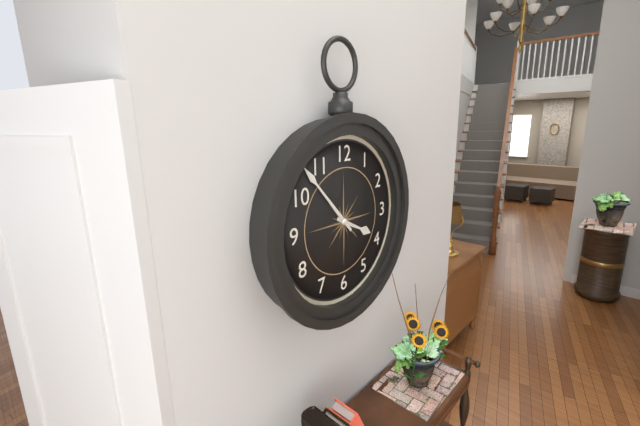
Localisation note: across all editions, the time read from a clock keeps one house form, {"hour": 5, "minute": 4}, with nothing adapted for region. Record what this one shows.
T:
{"hour": 3, "minute": 53}
